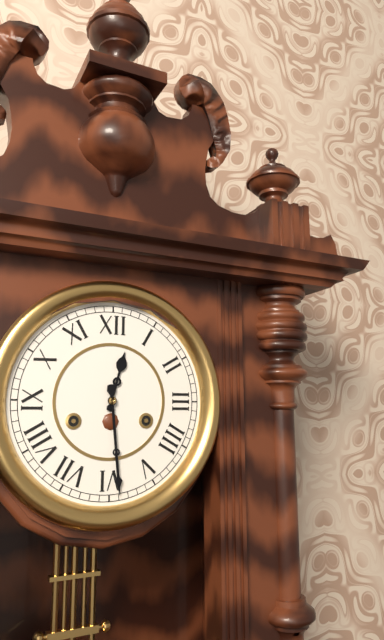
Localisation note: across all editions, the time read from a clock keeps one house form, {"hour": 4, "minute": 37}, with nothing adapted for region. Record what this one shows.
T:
{"hour": 12, "minute": 29}
